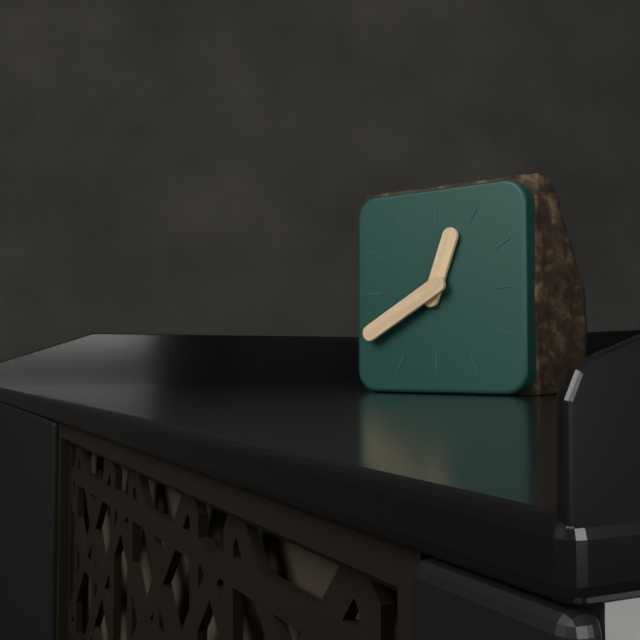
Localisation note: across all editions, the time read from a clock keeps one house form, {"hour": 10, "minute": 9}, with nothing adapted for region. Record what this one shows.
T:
{"hour": 12, "minute": 40}
